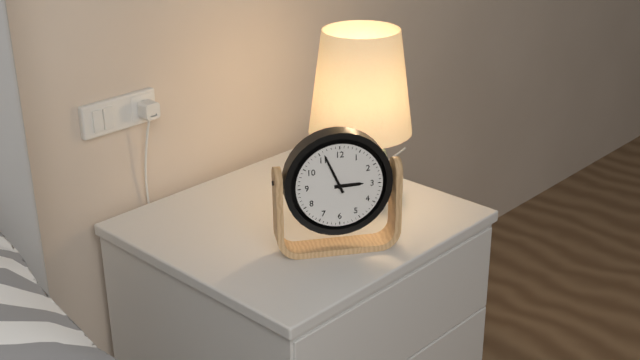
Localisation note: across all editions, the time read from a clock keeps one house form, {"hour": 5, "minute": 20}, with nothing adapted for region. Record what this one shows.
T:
{"hour": 2, "minute": 56}
